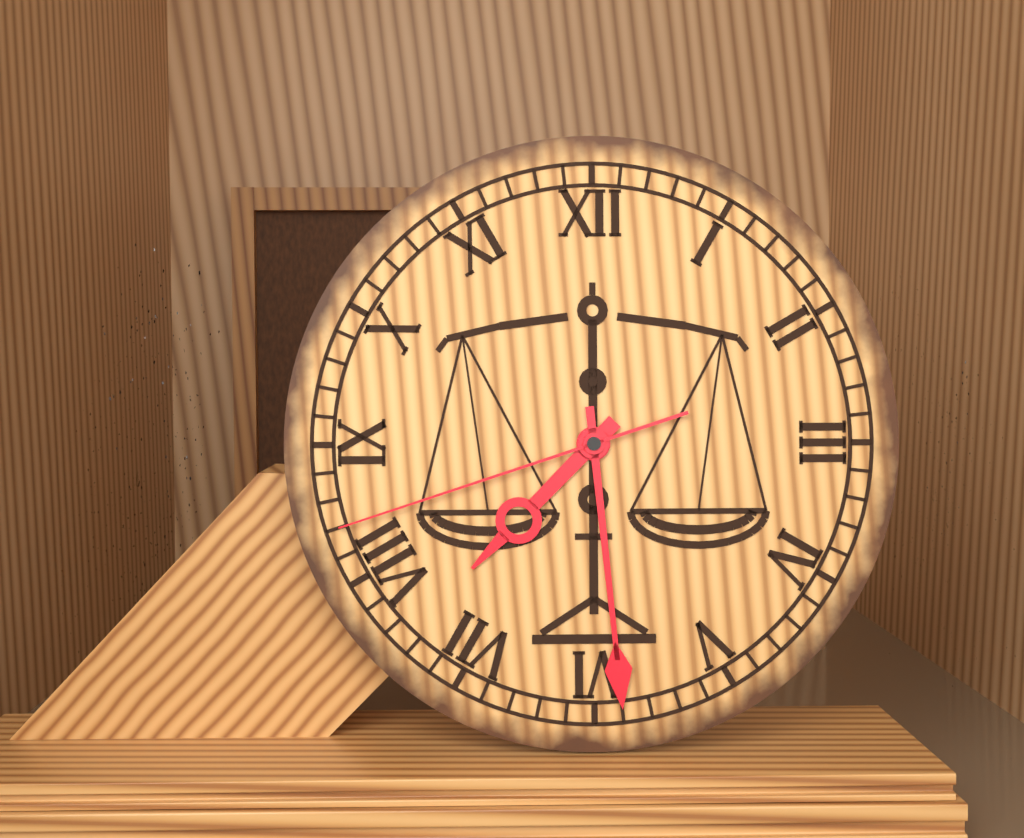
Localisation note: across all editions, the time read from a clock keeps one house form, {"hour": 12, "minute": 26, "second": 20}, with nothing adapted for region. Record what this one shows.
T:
{"hour": 7, "minute": 29, "second": 42}
